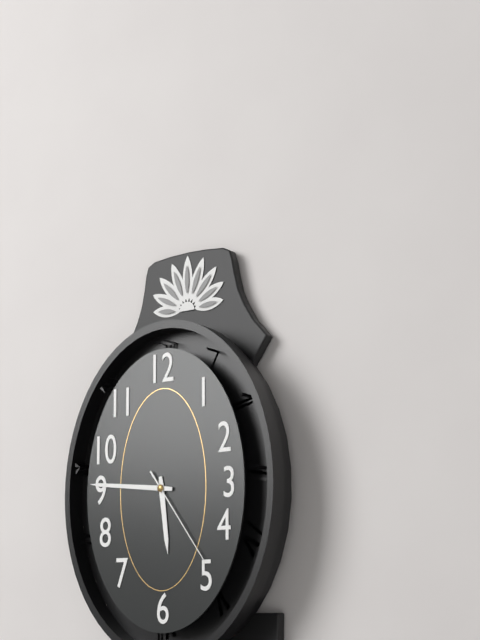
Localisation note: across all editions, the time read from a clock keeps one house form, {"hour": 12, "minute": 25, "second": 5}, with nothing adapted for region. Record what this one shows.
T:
{"hour": 5, "minute": 46, "second": 24}
